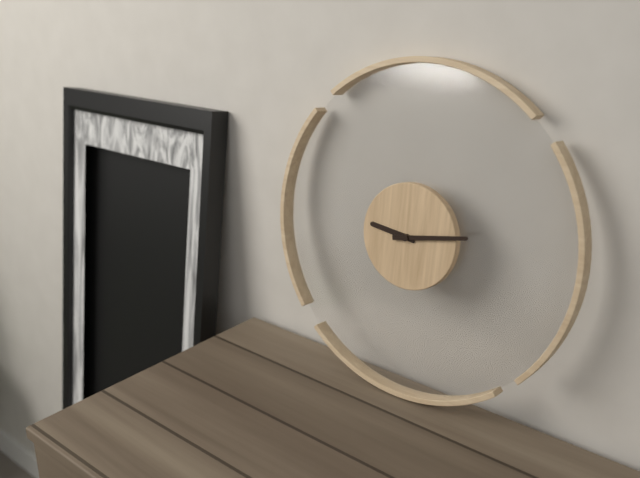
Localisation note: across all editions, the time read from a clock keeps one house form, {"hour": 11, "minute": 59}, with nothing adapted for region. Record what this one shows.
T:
{"hour": 9, "minute": 13}
